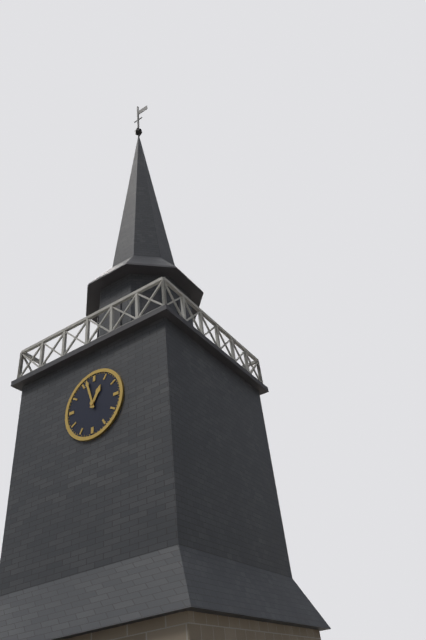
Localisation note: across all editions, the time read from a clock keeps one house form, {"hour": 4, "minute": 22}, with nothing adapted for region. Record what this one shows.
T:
{"hour": 12, "minute": 57}
